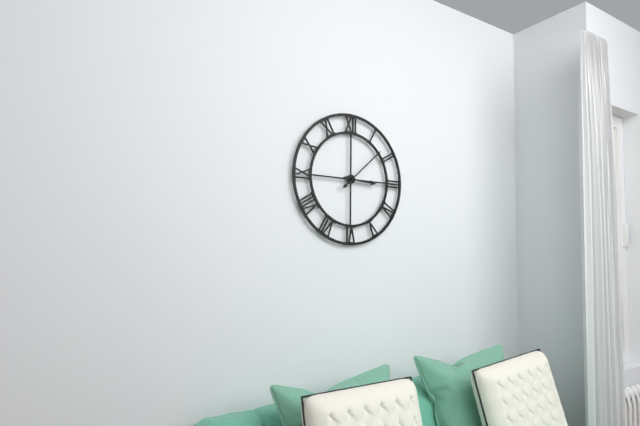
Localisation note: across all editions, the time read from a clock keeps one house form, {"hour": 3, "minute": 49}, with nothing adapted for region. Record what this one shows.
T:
{"hour": 3, "minute": 8}
